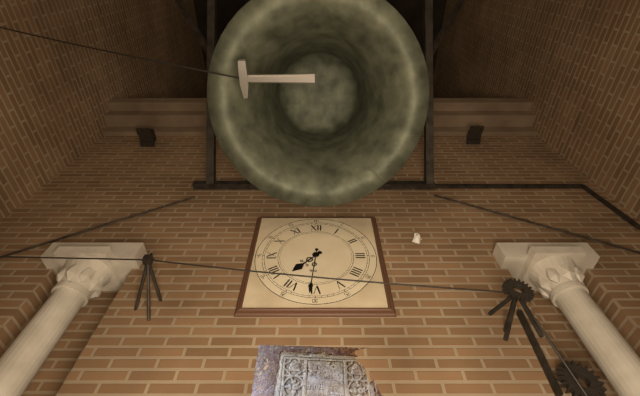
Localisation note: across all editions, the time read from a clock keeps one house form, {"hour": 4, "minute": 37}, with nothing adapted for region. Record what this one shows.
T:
{"hour": 7, "minute": 31}
